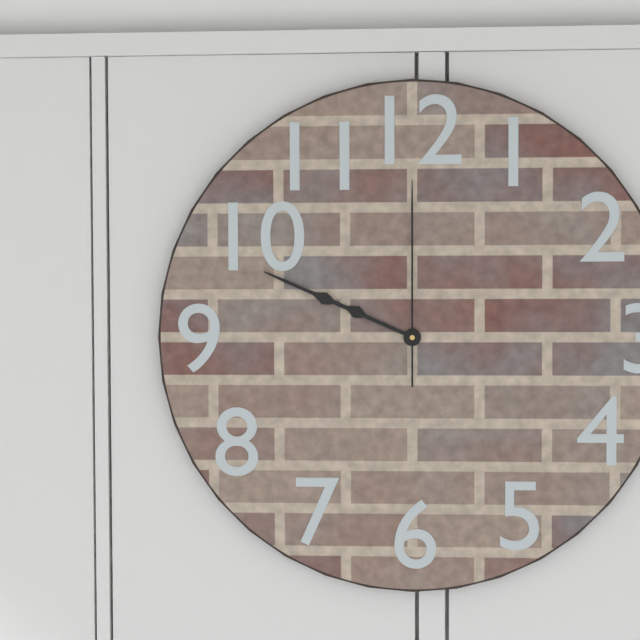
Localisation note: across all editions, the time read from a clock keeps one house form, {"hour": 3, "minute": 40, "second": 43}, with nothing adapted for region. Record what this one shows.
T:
{"hour": 9, "minute": 49, "second": 0}
